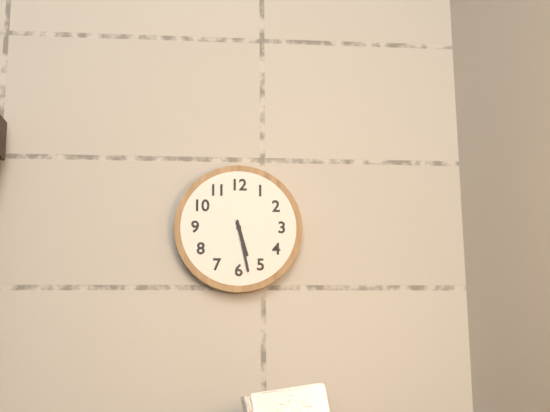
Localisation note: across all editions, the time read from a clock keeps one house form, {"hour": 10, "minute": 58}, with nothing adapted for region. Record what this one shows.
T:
{"hour": 5, "minute": 28}
